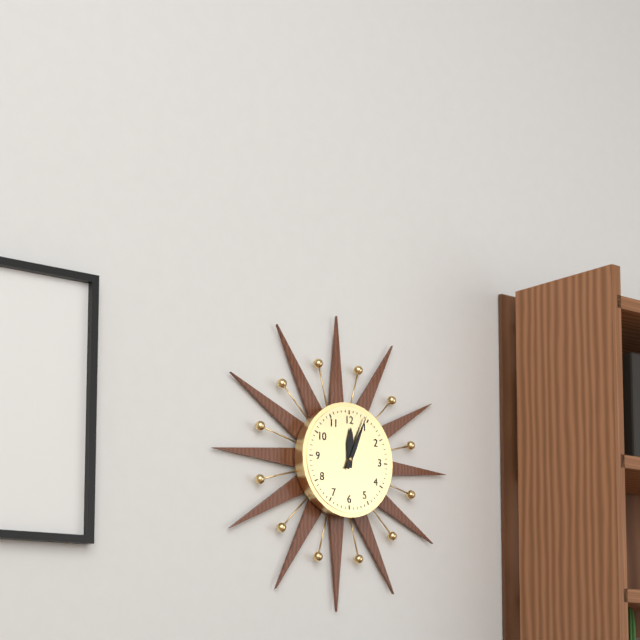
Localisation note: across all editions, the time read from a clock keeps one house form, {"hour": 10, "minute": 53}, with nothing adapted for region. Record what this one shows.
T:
{"hour": 12, "minute": 4}
